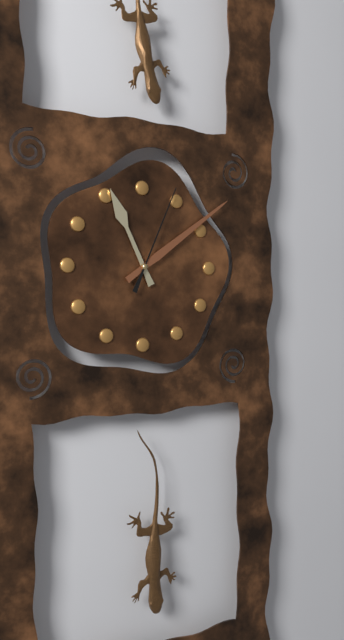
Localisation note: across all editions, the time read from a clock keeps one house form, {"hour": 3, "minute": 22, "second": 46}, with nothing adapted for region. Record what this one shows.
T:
{"hour": 11, "minute": 9, "second": 4}
